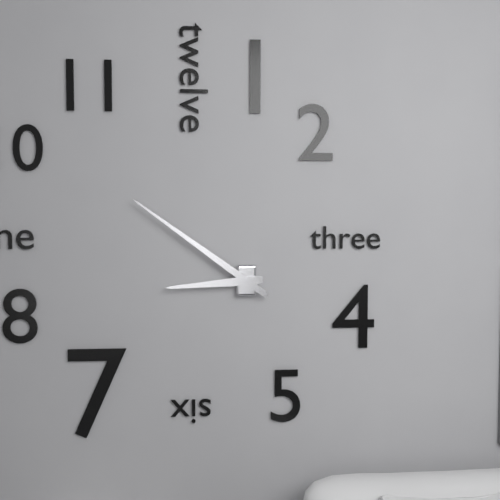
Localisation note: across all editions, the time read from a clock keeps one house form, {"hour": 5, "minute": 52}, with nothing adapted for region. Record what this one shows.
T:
{"hour": 8, "minute": 51}
